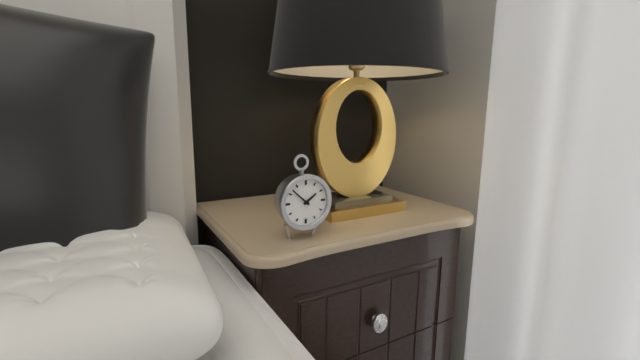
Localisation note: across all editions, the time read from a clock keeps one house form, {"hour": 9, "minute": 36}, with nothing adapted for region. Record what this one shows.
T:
{"hour": 1, "minute": 52}
